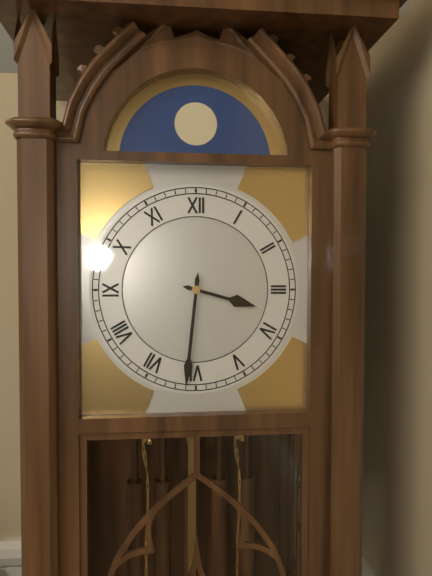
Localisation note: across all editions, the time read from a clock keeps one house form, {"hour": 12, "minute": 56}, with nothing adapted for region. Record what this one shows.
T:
{"hour": 3, "minute": 31}
